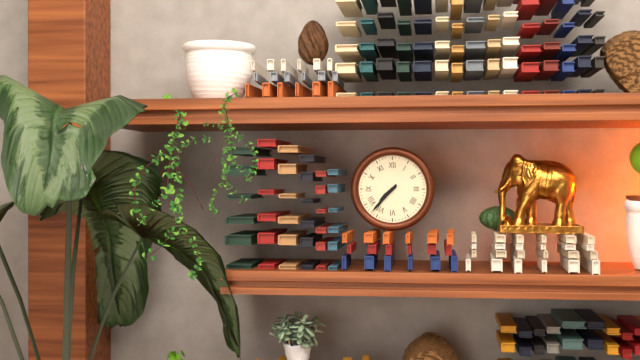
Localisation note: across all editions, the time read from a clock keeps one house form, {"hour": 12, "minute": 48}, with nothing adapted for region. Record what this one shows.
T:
{"hour": 7, "minute": 37}
